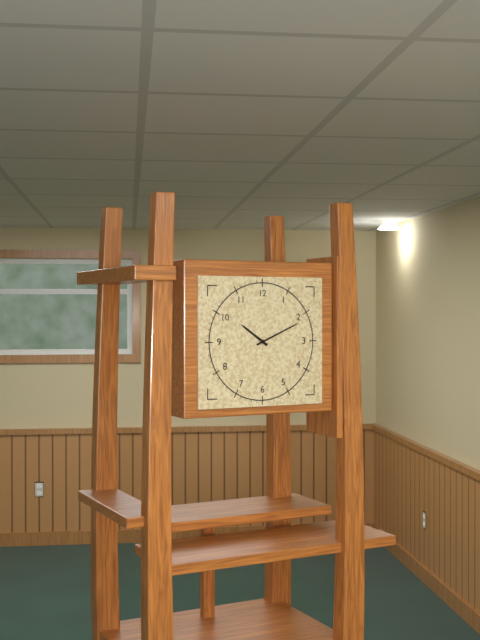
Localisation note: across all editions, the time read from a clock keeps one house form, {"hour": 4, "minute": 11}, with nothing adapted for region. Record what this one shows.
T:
{"hour": 10, "minute": 11}
